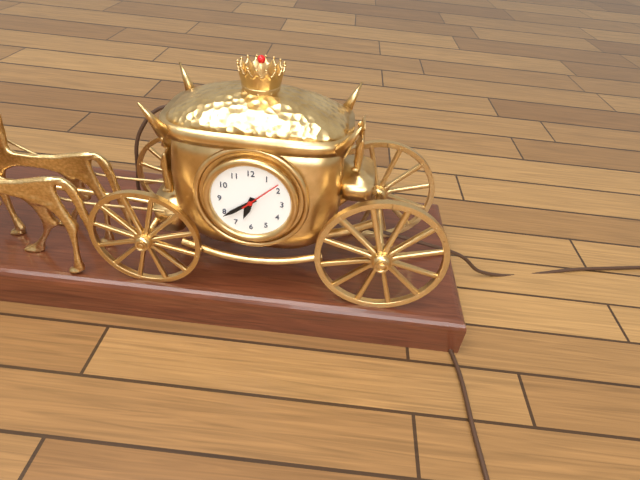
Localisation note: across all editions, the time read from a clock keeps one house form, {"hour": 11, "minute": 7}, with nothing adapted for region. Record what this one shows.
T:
{"hour": 6, "minute": 39}
